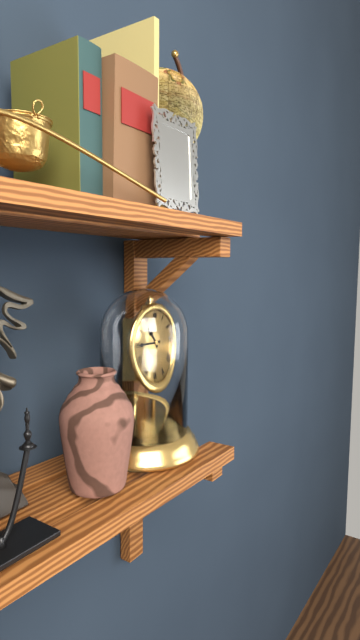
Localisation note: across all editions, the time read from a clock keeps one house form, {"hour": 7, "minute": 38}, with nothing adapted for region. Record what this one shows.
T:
{"hour": 10, "minute": 45}
